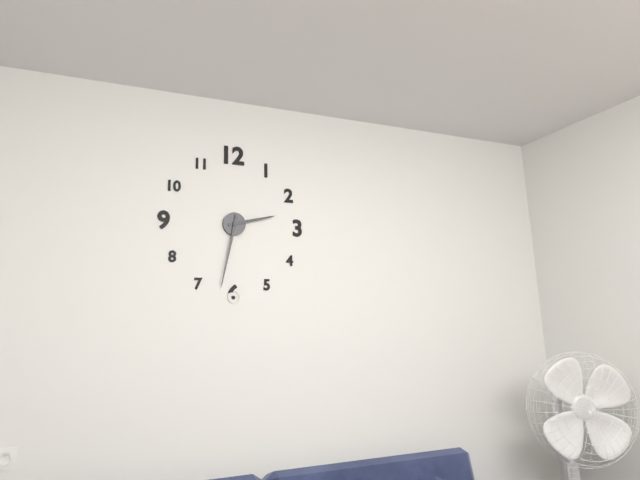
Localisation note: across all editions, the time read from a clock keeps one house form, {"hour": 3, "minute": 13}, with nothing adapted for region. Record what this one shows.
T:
{"hour": 2, "minute": 32}
